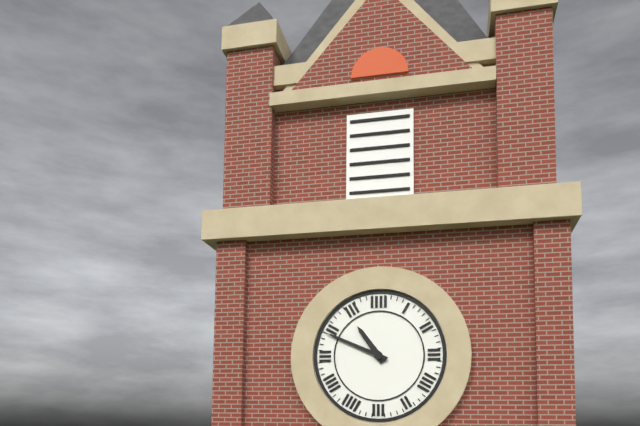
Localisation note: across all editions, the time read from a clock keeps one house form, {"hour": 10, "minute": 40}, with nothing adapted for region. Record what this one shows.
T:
{"hour": 10, "minute": 49}
